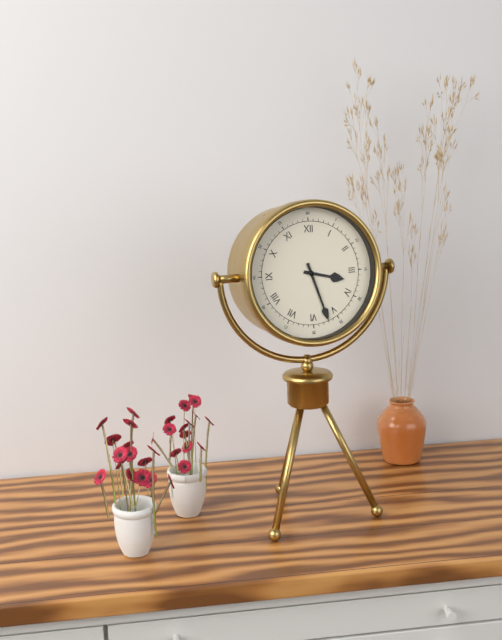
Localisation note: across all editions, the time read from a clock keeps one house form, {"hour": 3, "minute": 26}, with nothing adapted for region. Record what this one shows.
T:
{"hour": 3, "minute": 27}
